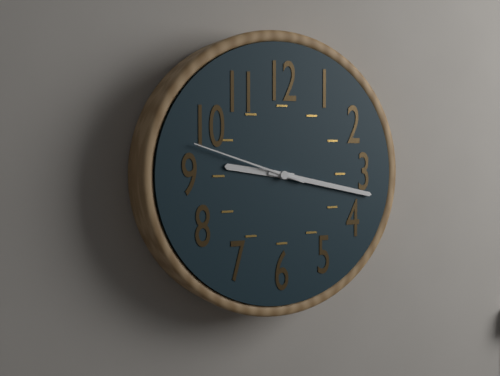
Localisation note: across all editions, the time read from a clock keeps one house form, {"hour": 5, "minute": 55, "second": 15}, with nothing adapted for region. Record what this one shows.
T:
{"hour": 9, "minute": 17, "second": 48}
